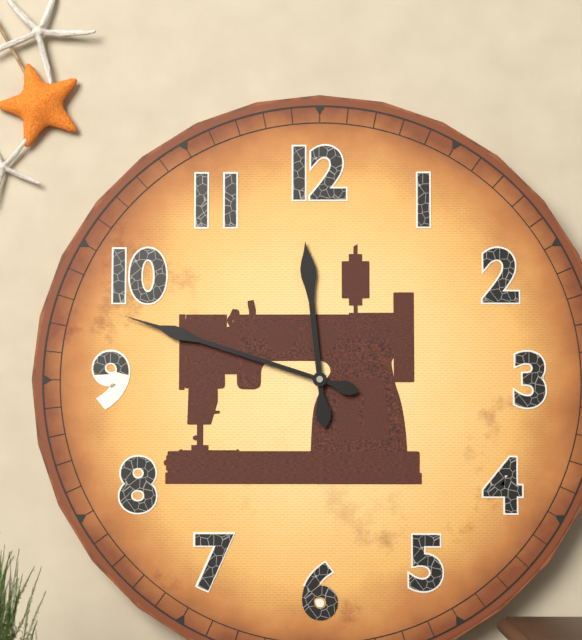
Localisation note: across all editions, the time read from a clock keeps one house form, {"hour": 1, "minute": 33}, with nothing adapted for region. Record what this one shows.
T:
{"hour": 11, "minute": 48}
